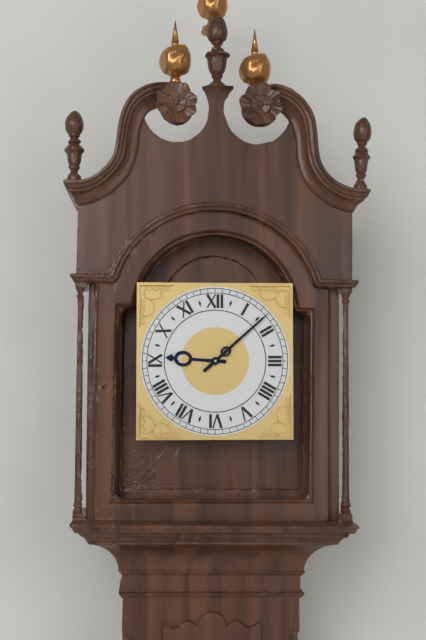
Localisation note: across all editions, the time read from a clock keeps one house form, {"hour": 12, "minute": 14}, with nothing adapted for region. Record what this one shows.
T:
{"hour": 9, "minute": 8}
